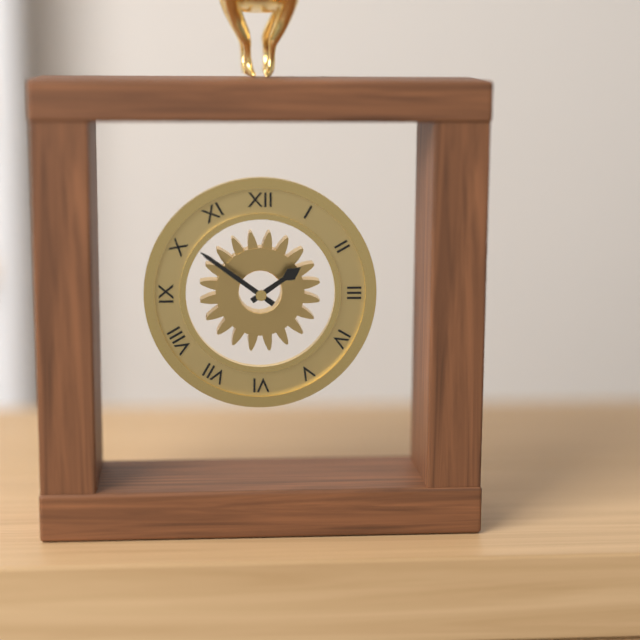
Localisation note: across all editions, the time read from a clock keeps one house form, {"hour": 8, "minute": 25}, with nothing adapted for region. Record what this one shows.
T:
{"hour": 1, "minute": 51}
